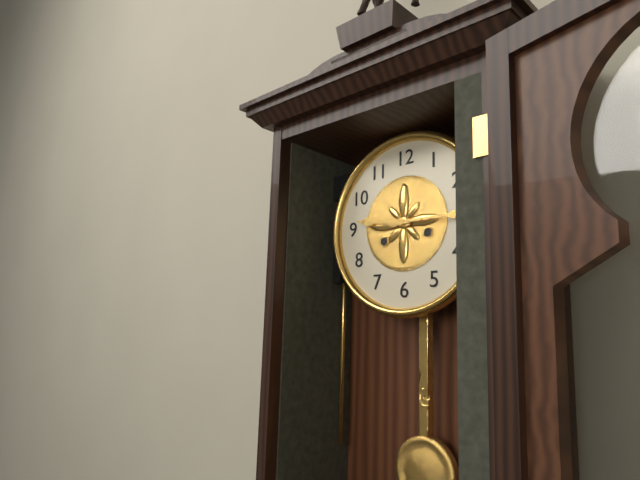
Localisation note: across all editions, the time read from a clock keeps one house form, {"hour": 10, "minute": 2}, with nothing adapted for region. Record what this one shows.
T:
{"hour": 9, "minute": 15}
